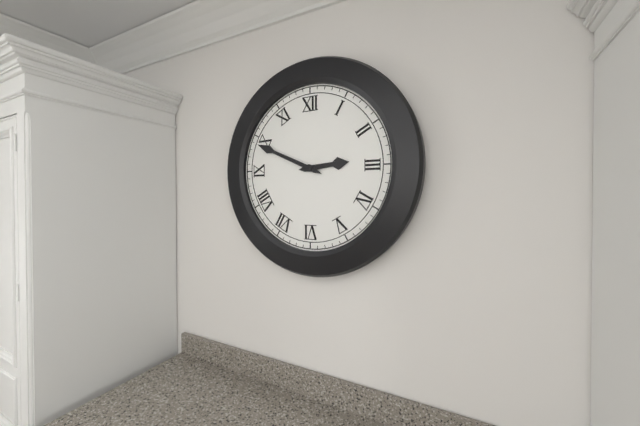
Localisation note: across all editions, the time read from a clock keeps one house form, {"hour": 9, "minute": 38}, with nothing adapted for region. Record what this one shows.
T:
{"hour": 2, "minute": 49}
